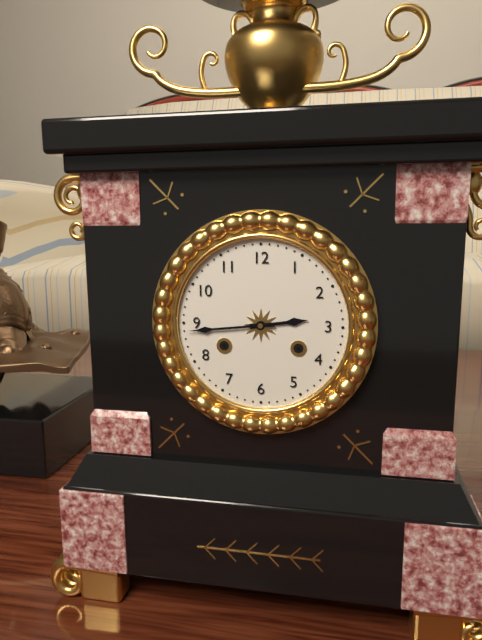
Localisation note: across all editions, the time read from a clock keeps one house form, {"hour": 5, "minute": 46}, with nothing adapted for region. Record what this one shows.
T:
{"hour": 2, "minute": 44}
